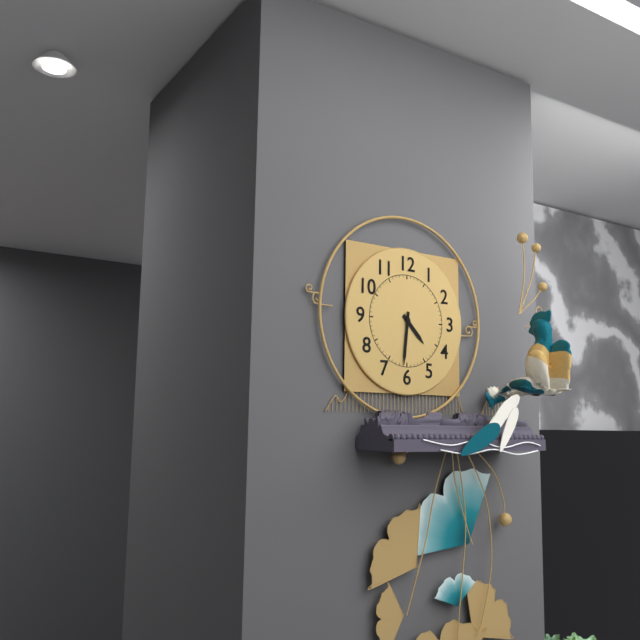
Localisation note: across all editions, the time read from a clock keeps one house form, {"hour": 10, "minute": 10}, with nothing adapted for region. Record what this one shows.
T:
{"hour": 4, "minute": 31}
